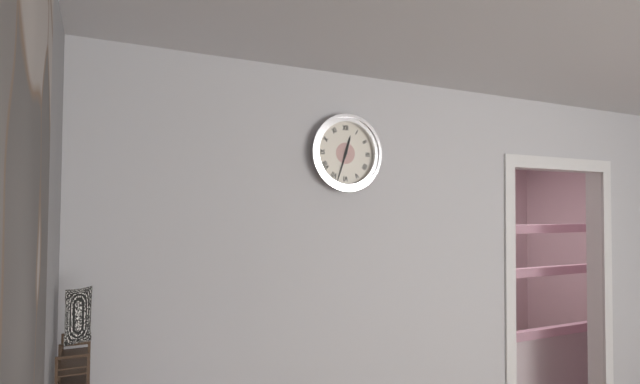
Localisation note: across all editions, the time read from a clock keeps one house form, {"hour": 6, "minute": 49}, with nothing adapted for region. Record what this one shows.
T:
{"hour": 12, "minute": 33}
